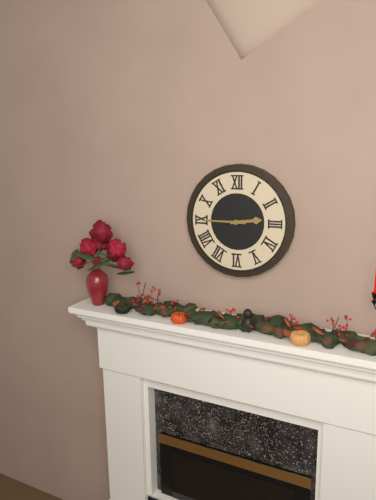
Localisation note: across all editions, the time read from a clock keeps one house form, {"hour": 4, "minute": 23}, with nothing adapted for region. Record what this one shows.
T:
{"hour": 2, "minute": 45}
